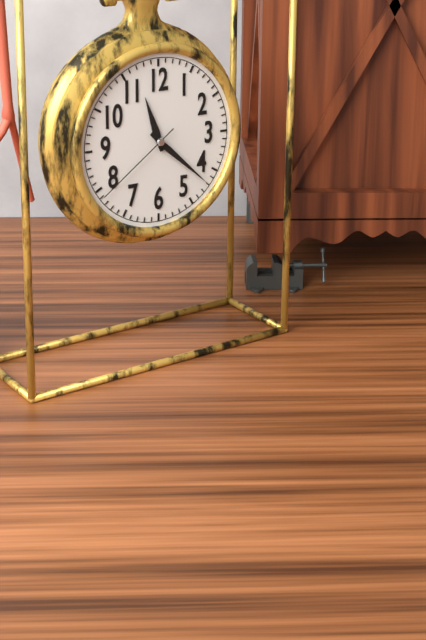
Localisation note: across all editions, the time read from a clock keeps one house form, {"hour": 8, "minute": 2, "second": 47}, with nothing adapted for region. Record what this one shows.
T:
{"hour": 11, "minute": 22, "second": 39}
